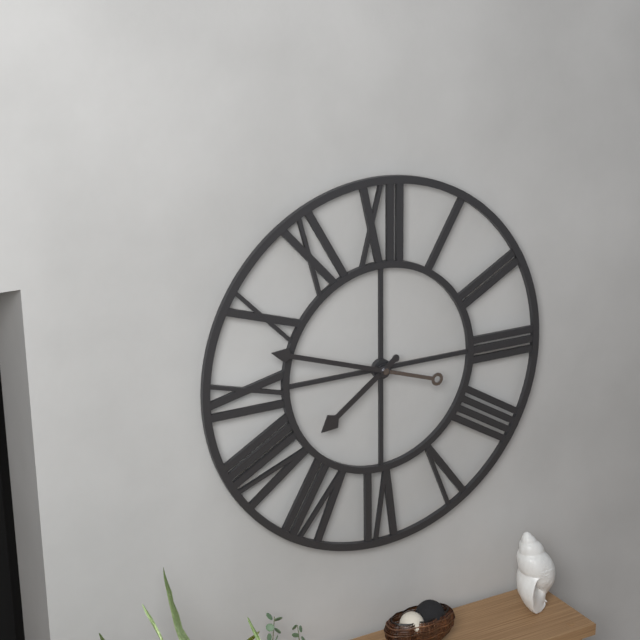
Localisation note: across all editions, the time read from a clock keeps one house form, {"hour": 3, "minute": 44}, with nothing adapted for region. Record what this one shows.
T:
{"hour": 7, "minute": 48}
